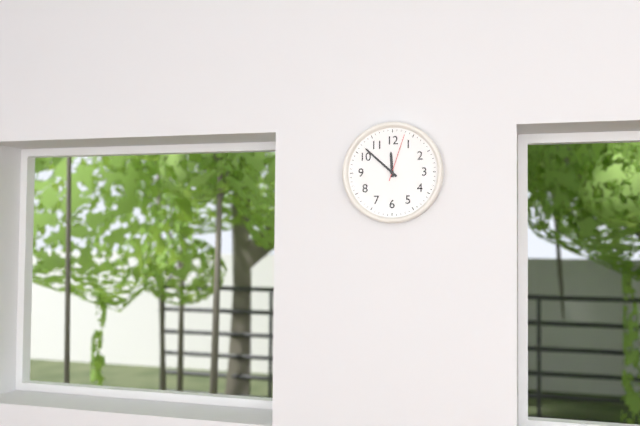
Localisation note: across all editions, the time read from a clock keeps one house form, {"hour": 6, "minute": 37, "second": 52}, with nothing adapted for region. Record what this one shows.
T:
{"hour": 11, "minute": 52, "second": 3}
